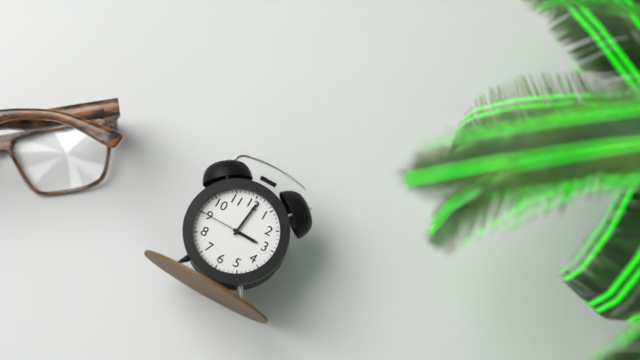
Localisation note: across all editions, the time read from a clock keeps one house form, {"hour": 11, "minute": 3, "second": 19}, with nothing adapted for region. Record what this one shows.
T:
{"hour": 3, "minute": 1, "second": 45}
